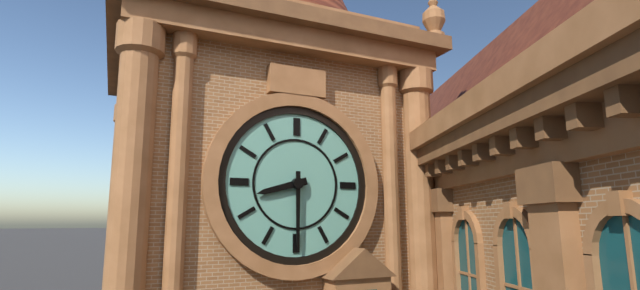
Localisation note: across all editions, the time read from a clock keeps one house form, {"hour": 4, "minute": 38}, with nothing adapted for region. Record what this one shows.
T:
{"hour": 8, "minute": 30}
